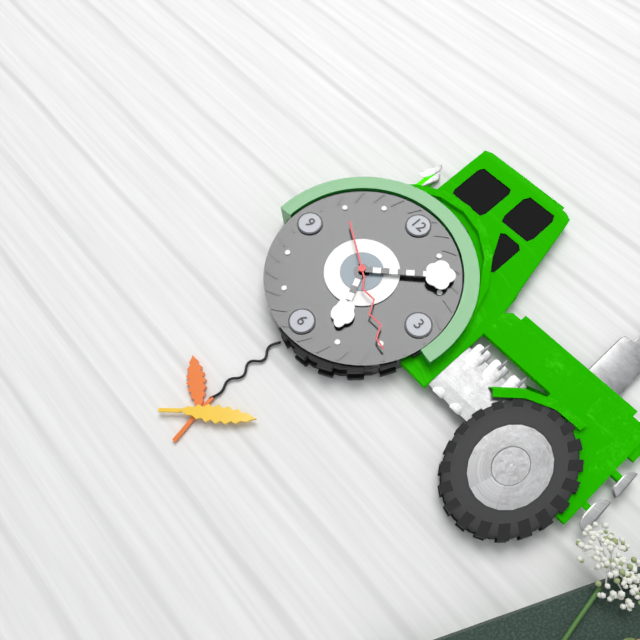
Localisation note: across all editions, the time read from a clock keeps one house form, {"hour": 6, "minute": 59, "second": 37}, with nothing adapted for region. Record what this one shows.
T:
{"hour": 5, "minute": 8, "second": 20}
